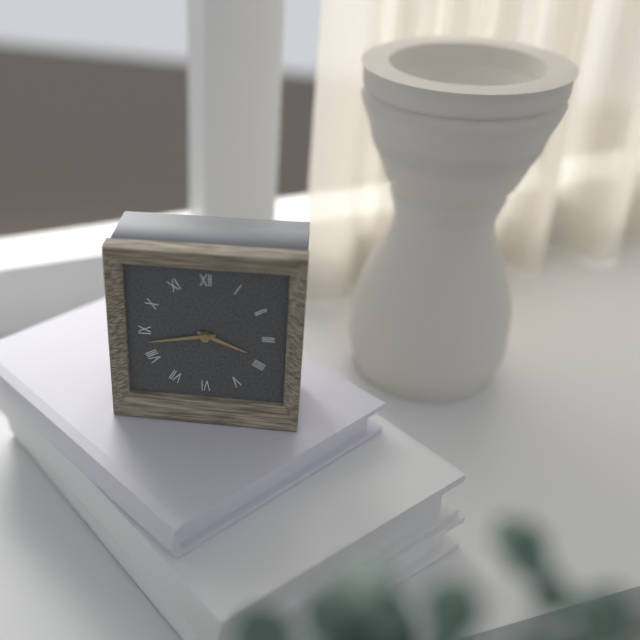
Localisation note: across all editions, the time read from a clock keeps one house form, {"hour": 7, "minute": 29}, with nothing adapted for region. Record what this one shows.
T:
{"hour": 3, "minute": 43}
